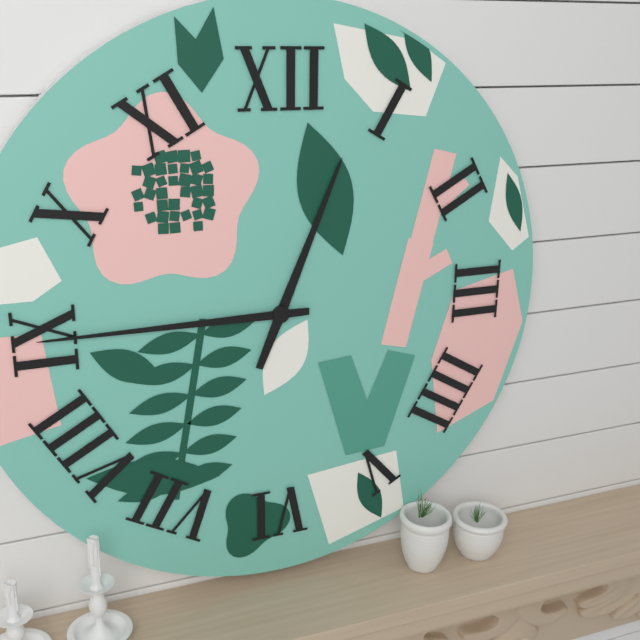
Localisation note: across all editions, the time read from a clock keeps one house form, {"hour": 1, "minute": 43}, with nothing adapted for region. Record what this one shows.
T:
{"hour": 12, "minute": 45}
